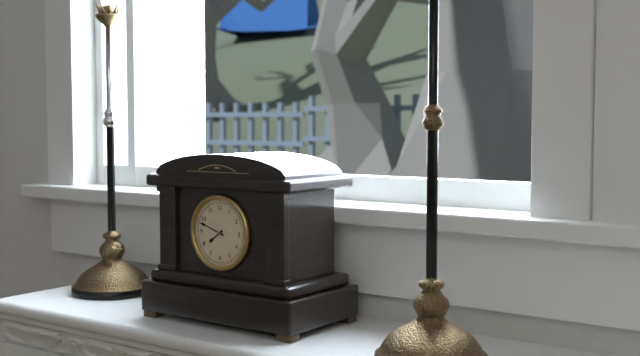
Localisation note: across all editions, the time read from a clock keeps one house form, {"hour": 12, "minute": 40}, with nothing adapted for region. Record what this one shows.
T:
{"hour": 7, "minute": 48}
